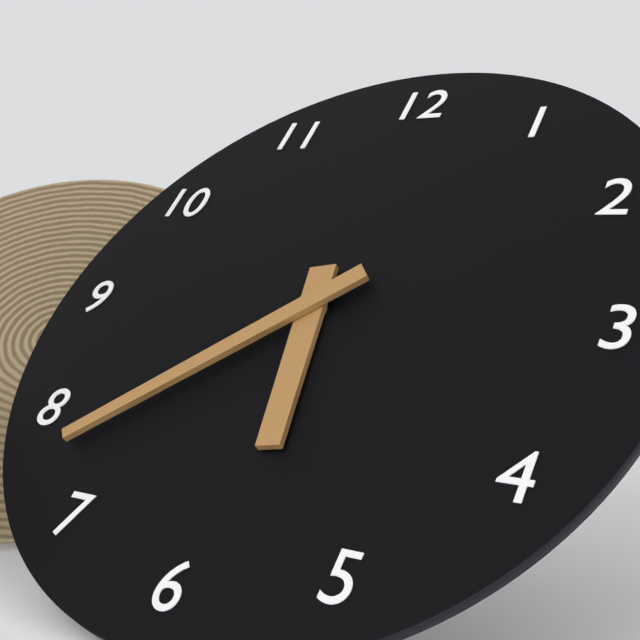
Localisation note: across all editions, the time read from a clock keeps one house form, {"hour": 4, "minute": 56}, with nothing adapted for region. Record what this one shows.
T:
{"hour": 5, "minute": 38}
